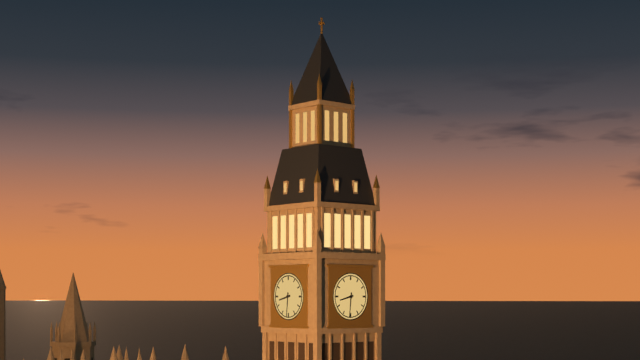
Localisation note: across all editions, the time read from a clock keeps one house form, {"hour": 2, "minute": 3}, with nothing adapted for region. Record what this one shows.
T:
{"hour": 8, "minute": 31}
